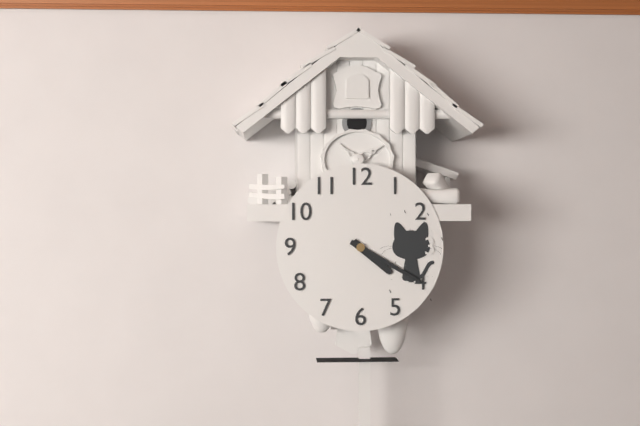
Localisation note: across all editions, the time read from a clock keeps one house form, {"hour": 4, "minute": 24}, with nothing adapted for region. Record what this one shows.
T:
{"hour": 4, "minute": 20}
